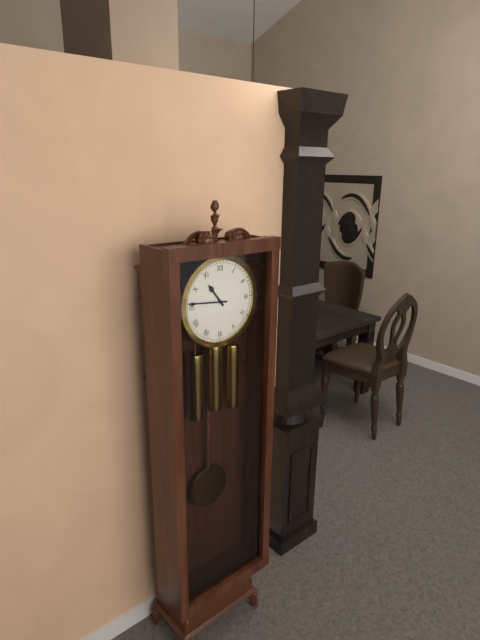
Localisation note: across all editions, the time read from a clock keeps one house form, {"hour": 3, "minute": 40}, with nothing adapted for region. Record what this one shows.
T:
{"hour": 10, "minute": 46}
